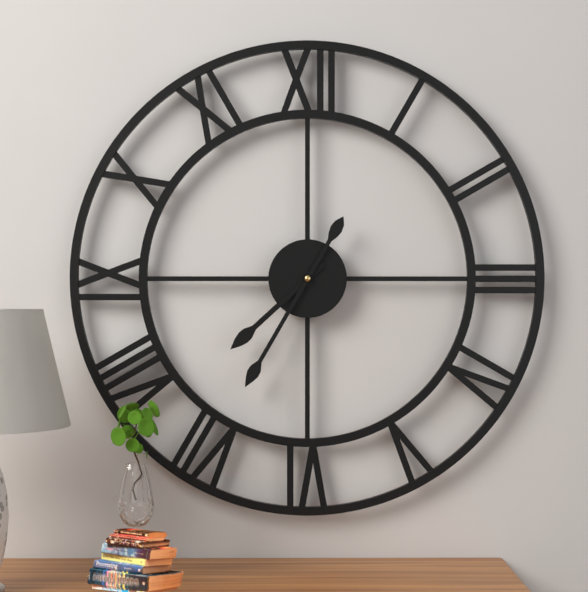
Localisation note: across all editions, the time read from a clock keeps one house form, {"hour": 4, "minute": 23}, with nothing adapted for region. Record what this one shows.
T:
{"hour": 7, "minute": 35}
